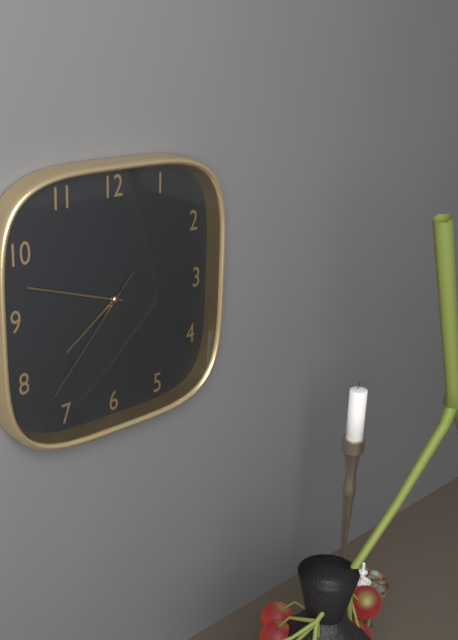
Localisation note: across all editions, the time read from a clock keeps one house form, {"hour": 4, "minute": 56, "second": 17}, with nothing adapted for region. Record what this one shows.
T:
{"hour": 7, "minute": 48, "second": 37}
